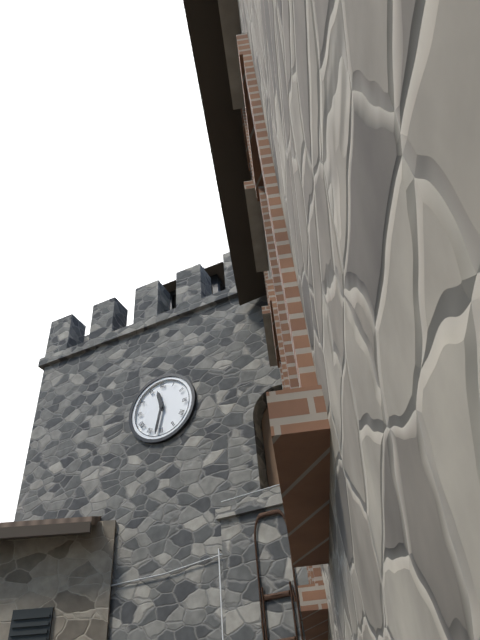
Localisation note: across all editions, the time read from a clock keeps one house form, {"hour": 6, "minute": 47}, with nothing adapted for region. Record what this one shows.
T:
{"hour": 11, "minute": 32}
